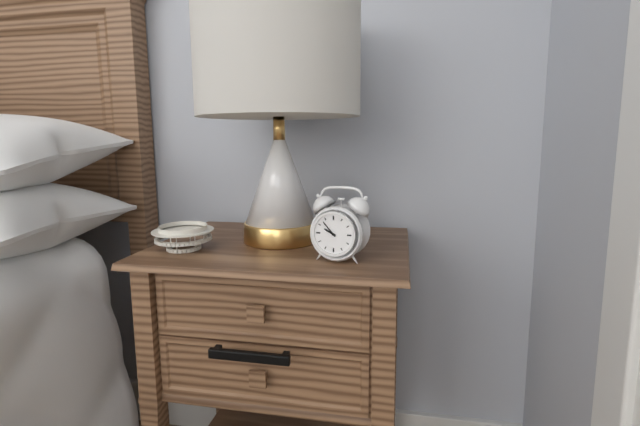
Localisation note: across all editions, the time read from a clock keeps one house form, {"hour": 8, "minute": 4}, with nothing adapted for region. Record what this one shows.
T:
{"hour": 9, "minute": 53}
